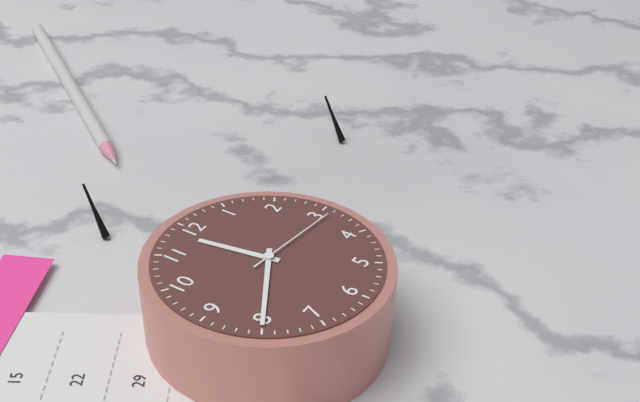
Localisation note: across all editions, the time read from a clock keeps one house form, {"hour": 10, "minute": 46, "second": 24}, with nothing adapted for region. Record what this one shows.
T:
{"hour": 11, "minute": 40, "second": 16}
